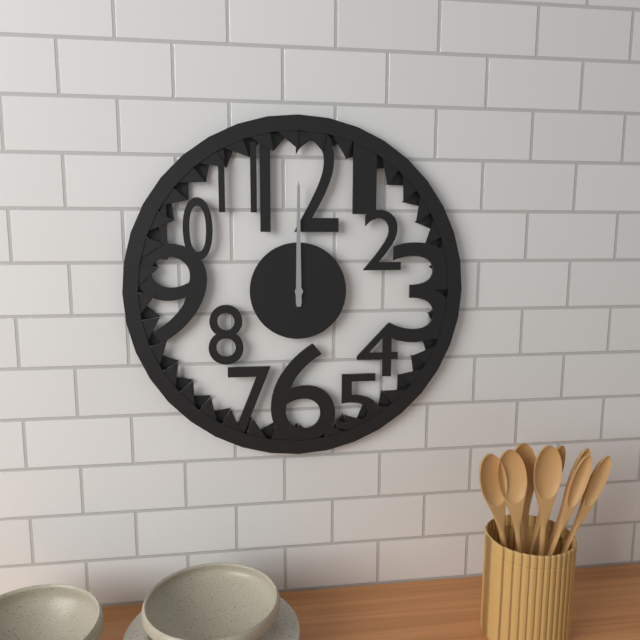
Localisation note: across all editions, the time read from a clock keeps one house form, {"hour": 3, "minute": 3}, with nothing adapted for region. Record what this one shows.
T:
{"hour": 12, "minute": 0}
